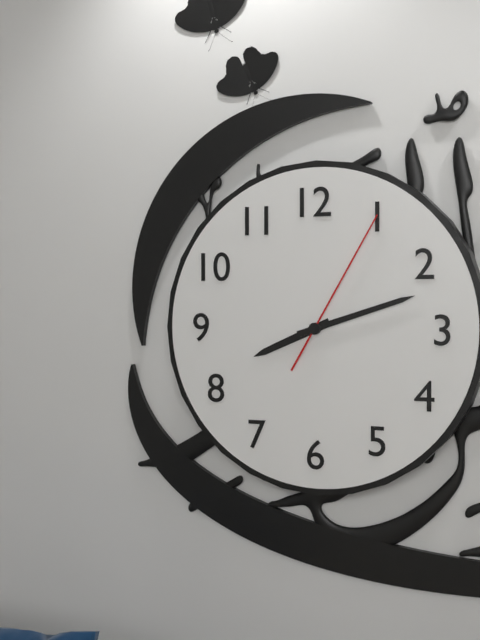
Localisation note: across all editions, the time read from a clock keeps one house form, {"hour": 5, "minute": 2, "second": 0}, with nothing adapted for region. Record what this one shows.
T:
{"hour": 8, "minute": 12, "second": 5}
